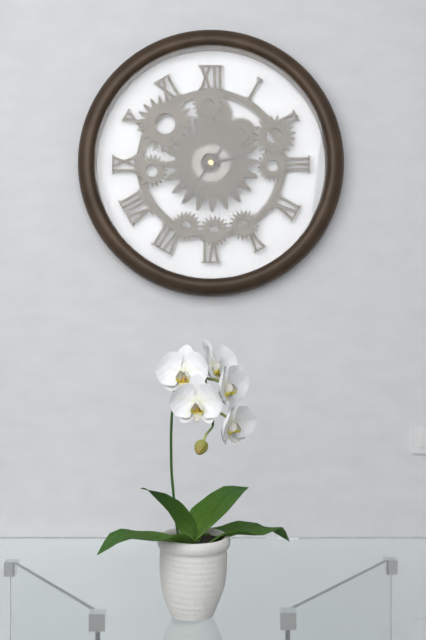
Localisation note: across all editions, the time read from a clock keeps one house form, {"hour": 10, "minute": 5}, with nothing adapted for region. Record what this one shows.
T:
{"hour": 2, "minute": 36}
